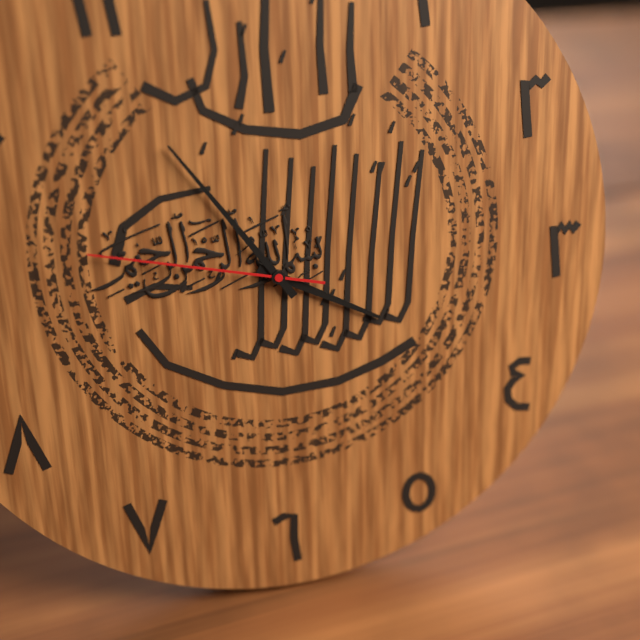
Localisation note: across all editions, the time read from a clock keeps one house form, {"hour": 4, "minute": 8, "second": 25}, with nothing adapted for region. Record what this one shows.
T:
{"hour": 3, "minute": 54, "second": 47}
